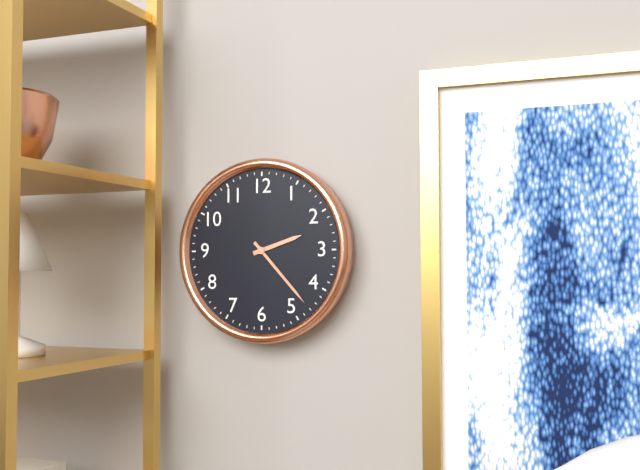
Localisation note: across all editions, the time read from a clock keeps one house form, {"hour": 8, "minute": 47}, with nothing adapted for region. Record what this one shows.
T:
{"hour": 2, "minute": 23}
